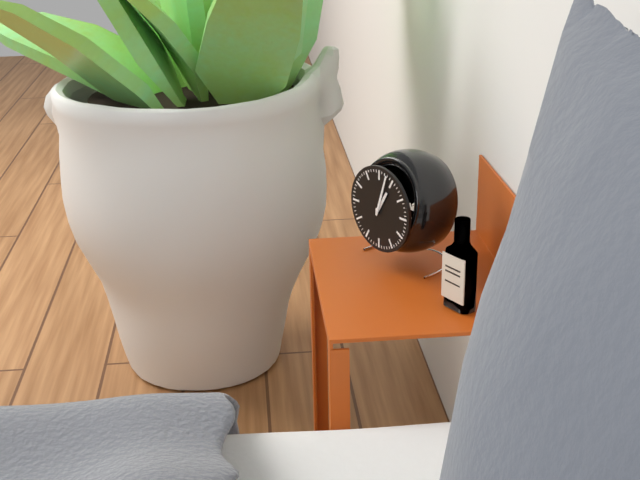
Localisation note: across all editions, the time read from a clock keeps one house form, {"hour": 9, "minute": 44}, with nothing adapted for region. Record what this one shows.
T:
{"hour": 1, "minute": 3}
